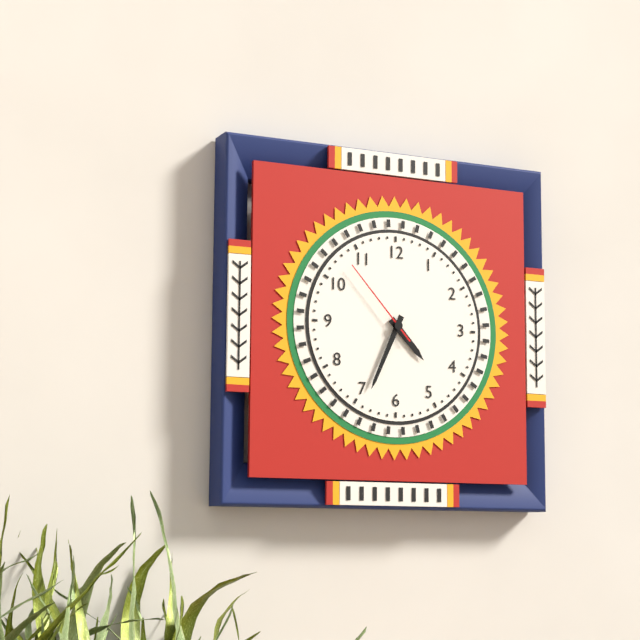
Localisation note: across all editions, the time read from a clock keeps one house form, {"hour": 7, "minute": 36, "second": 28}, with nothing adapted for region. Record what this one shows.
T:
{"hour": 4, "minute": 34, "second": 53}
